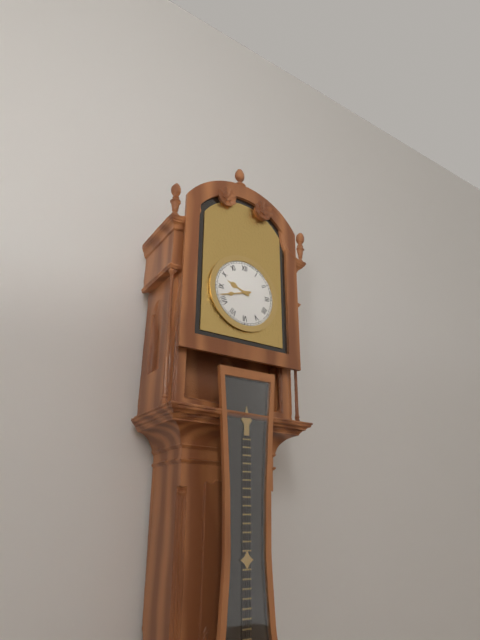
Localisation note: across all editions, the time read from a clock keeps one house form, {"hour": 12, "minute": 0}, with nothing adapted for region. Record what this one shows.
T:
{"hour": 9, "minute": 42}
